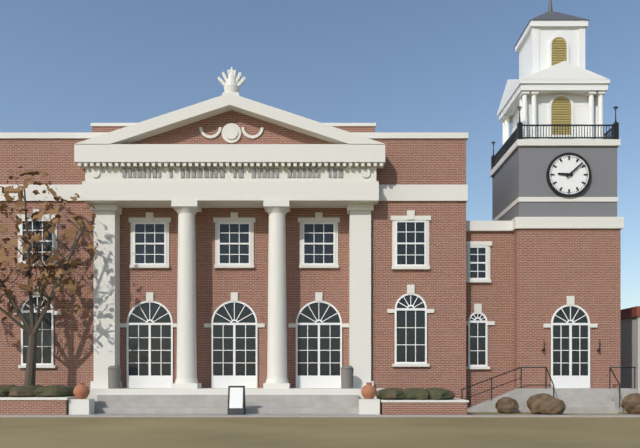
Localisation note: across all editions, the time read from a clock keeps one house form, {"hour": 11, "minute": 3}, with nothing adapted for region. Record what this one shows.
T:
{"hour": 9, "minute": 8}
